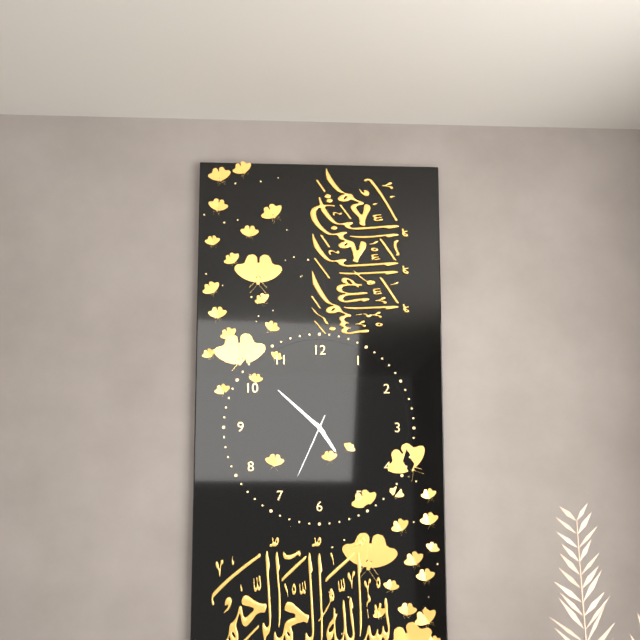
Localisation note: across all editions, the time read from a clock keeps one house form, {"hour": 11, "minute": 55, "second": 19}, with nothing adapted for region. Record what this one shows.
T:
{"hour": 4, "minute": 52, "second": 34}
